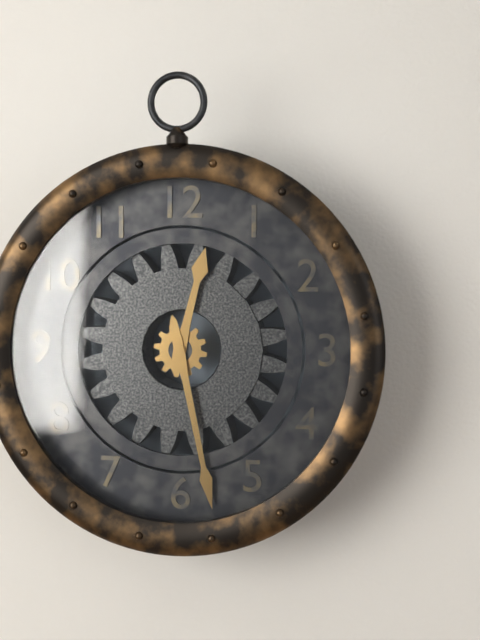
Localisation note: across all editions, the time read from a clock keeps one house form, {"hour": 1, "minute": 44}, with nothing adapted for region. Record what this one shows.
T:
{"hour": 12, "minute": 28}
